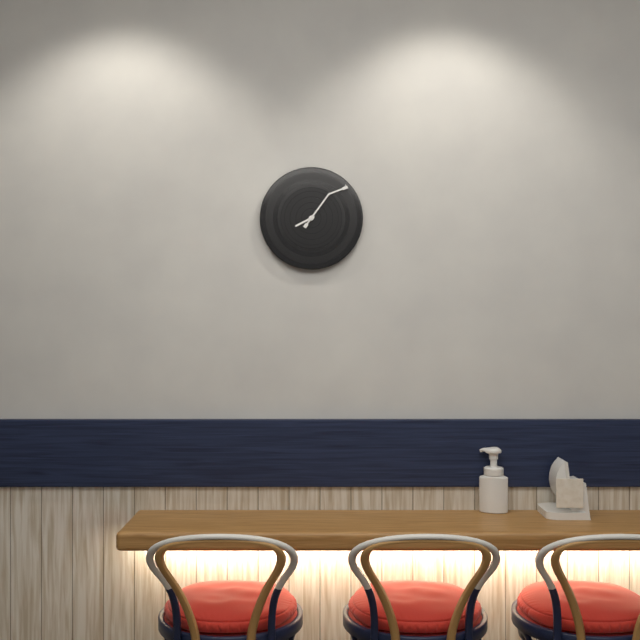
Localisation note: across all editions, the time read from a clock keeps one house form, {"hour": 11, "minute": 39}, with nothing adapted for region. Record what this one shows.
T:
{"hour": 8, "minute": 6}
